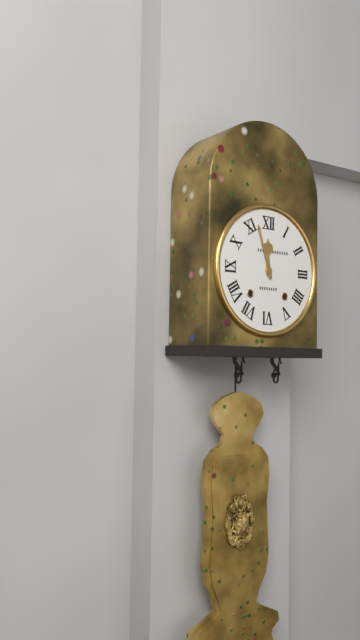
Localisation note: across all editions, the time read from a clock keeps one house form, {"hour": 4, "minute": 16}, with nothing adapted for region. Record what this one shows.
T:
{"hour": 11, "minute": 57}
